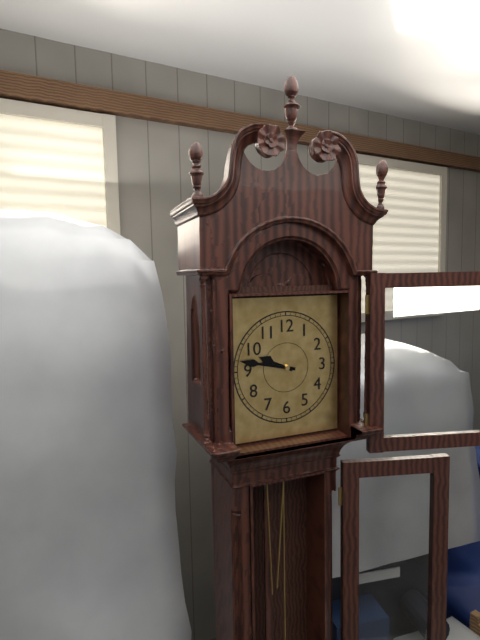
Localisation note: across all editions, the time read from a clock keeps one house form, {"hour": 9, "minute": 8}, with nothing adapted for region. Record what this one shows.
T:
{"hour": 9, "minute": 47}
